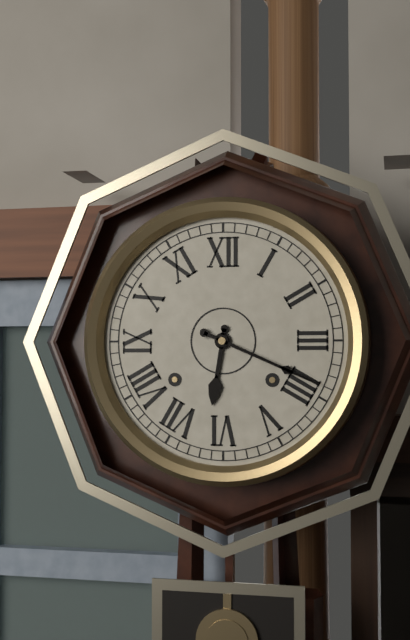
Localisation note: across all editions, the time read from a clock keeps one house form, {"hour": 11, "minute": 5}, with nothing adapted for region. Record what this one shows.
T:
{"hour": 6, "minute": 19}
